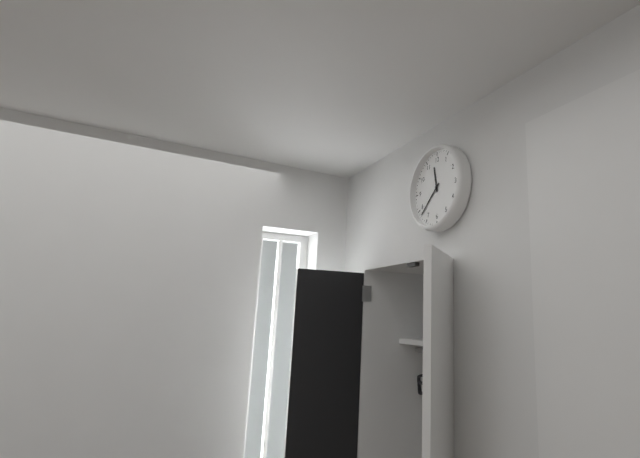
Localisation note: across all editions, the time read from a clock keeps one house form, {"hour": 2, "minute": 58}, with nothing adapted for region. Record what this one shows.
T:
{"hour": 11, "minute": 38}
